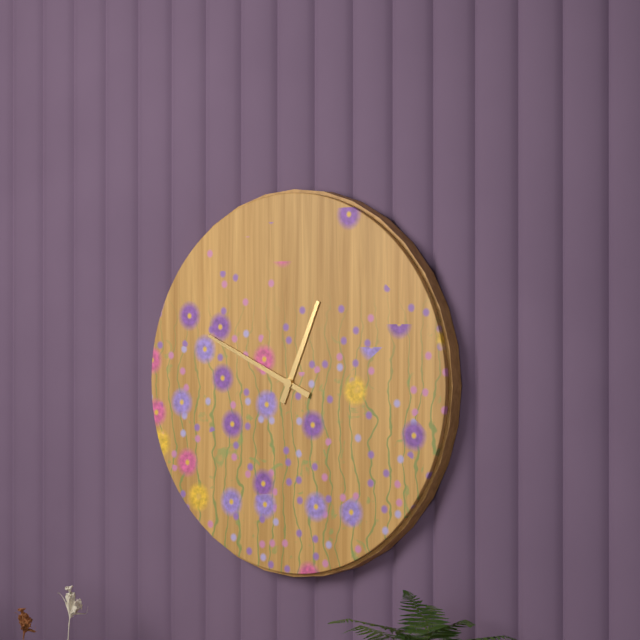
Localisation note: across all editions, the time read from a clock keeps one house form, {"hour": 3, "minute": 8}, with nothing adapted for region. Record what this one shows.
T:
{"hour": 12, "minute": 49}
